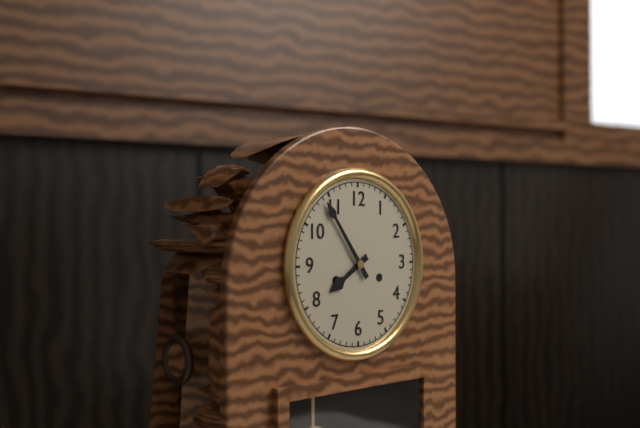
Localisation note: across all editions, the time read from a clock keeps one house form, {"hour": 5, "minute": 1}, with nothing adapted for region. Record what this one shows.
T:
{"hour": 7, "minute": 54}
